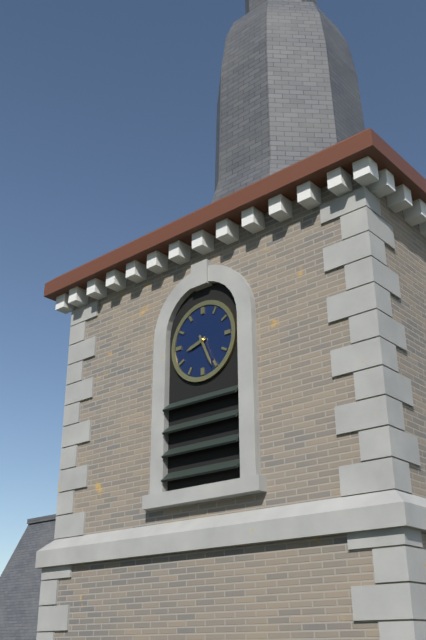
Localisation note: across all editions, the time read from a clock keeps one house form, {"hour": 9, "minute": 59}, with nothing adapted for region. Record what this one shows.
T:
{"hour": 8, "minute": 26}
